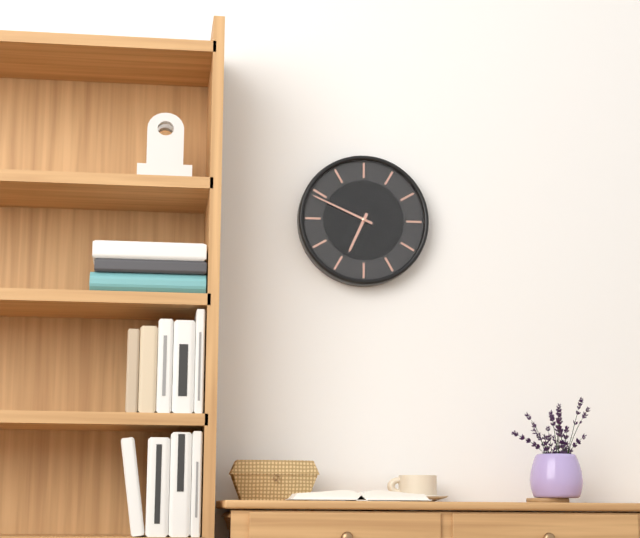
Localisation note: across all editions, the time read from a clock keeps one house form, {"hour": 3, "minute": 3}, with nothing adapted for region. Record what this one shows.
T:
{"hour": 6, "minute": 49}
